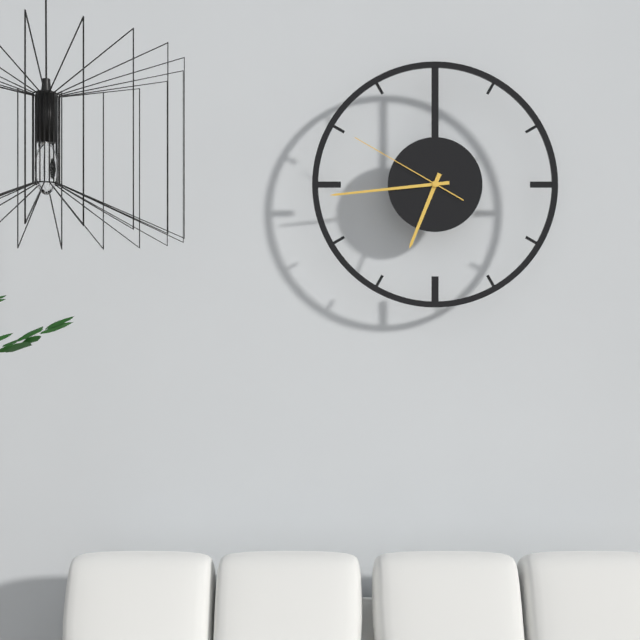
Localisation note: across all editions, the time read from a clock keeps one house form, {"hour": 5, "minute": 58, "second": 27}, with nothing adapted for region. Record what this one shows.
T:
{"hour": 6, "minute": 44, "second": 50}
